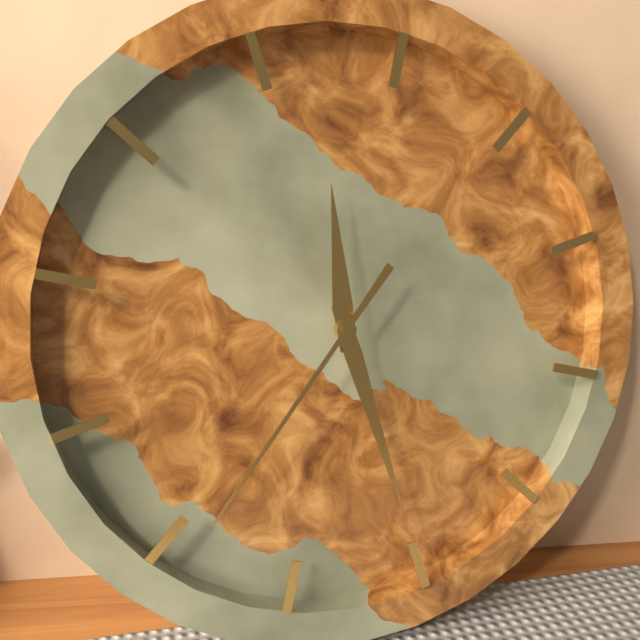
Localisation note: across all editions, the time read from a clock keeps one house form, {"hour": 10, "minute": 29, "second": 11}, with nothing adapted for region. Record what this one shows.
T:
{"hour": 11, "minute": 25, "second": 34}
